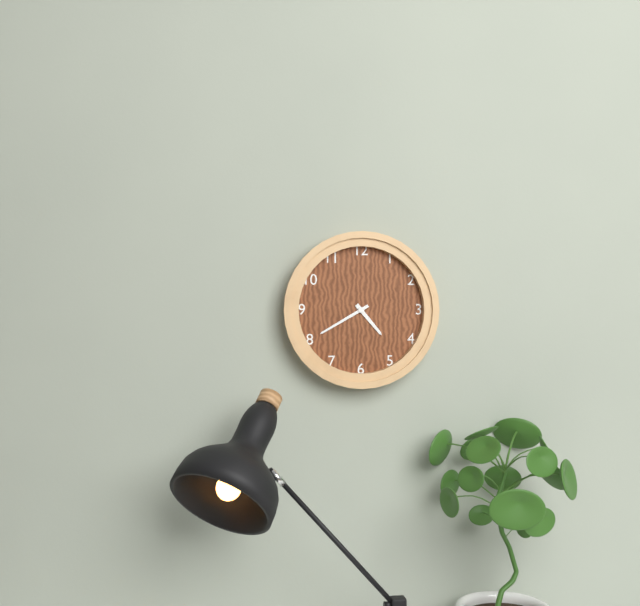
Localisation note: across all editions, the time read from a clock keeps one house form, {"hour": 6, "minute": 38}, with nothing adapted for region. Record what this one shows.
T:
{"hour": 4, "minute": 40}
